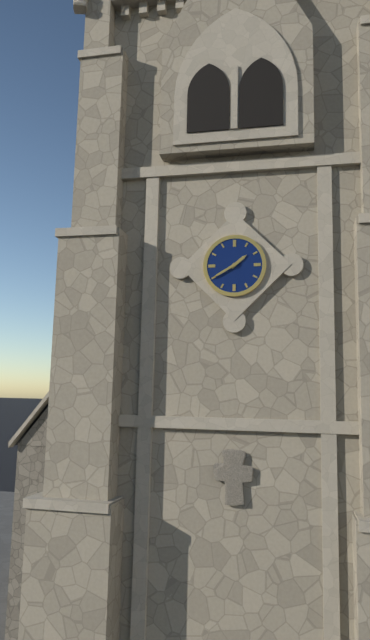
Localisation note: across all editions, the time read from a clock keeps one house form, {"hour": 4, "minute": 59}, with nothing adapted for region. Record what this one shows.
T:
{"hour": 1, "minute": 40}
